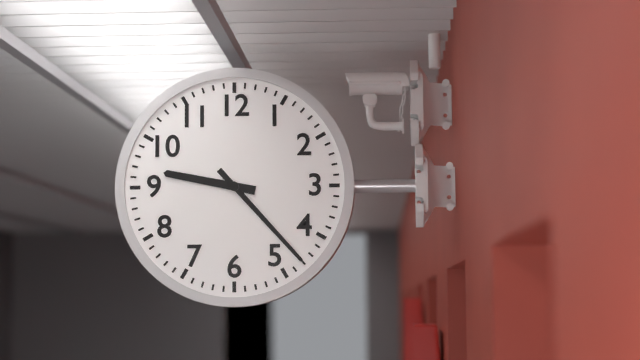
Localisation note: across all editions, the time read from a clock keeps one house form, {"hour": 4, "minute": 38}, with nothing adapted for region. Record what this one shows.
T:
{"hour": 9, "minute": 23}
